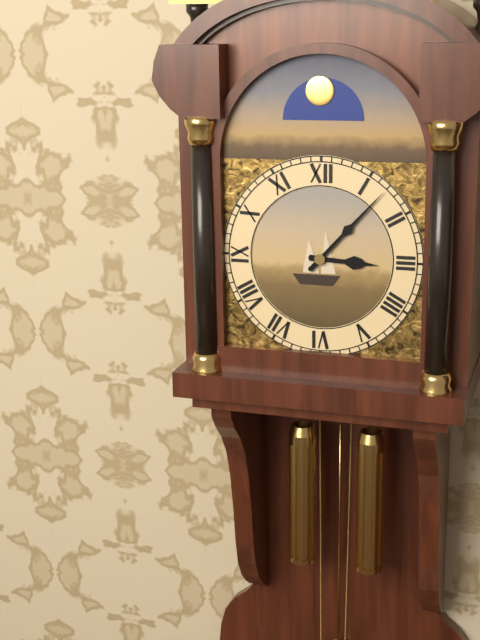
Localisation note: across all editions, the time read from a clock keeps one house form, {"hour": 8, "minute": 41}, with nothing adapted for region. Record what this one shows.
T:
{"hour": 3, "minute": 7}
